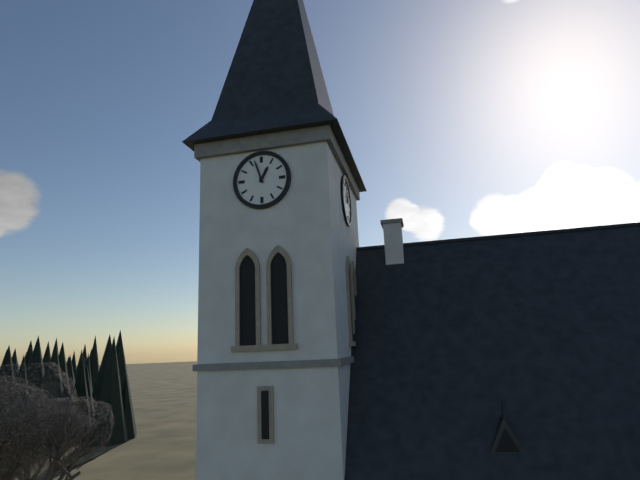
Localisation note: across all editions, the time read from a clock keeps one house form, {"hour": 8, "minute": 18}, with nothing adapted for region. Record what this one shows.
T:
{"hour": 12, "minute": 57}
